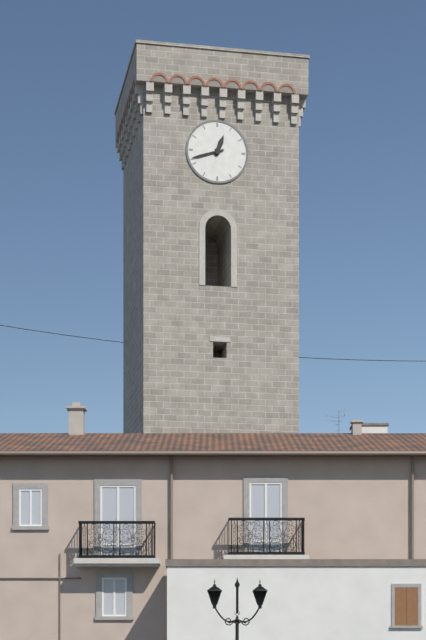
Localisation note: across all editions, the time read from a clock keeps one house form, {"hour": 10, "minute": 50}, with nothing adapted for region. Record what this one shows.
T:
{"hour": 12, "minute": 42}
